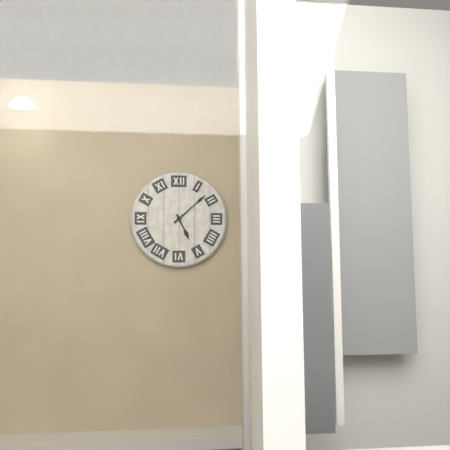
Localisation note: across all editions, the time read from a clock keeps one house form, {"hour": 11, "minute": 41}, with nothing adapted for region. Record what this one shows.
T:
{"hour": 5, "minute": 8}
